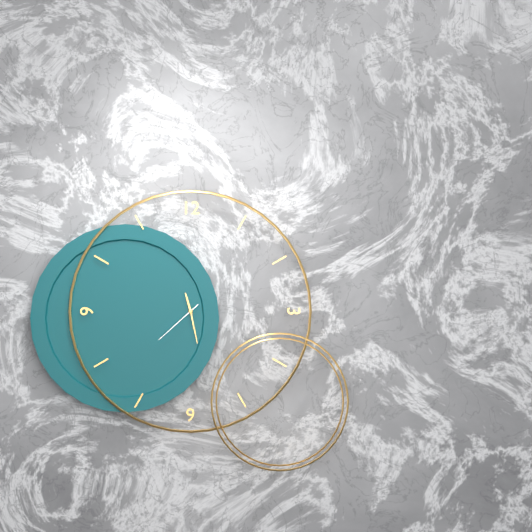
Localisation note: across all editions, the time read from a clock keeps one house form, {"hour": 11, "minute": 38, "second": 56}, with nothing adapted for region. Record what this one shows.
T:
{"hour": 11, "minute": 28, "second": 38}
